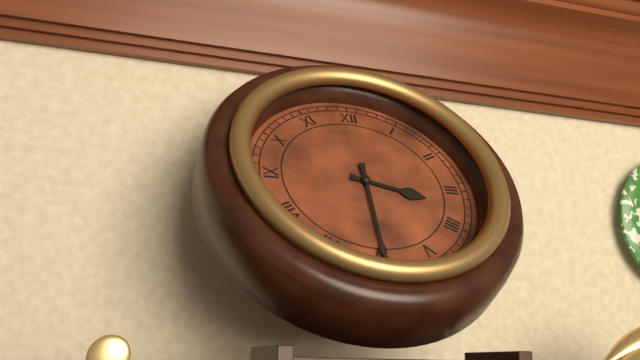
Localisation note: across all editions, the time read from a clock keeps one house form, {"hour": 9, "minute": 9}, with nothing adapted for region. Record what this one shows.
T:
{"hour": 3, "minute": 30}
